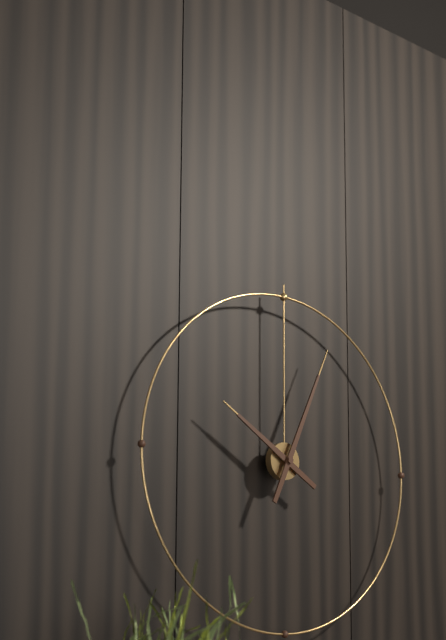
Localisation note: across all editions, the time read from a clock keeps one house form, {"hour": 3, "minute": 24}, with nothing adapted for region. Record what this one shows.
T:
{"hour": 10, "minute": 4}
